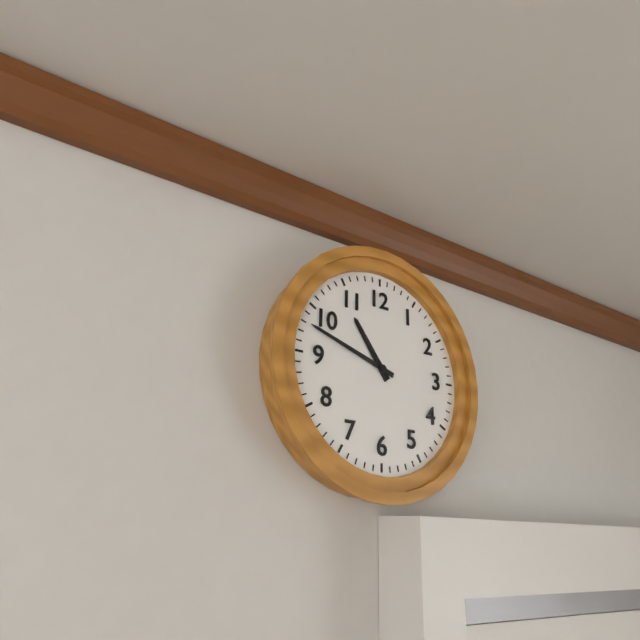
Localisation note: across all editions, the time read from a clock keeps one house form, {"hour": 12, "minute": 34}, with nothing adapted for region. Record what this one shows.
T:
{"hour": 10, "minute": 48}
